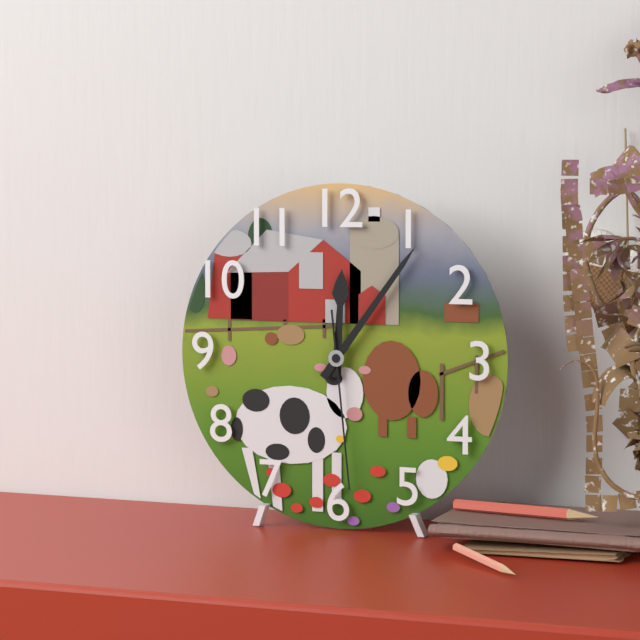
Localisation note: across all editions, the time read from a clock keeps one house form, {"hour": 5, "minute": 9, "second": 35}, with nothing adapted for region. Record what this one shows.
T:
{"hour": 12, "minute": 6, "second": 29}
